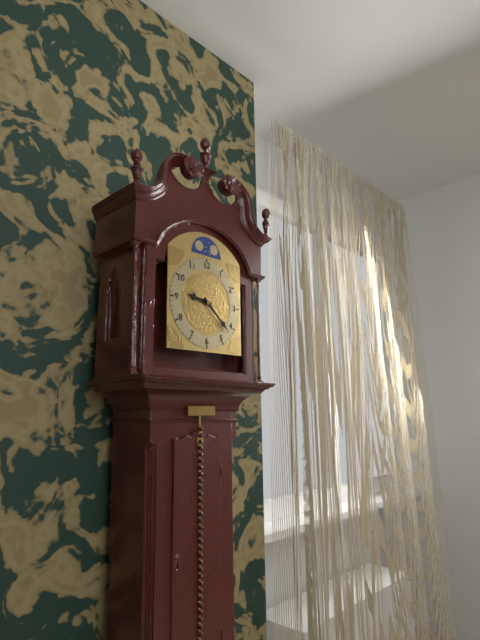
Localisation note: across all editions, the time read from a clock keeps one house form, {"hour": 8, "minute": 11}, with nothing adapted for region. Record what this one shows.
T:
{"hour": 9, "minute": 22}
